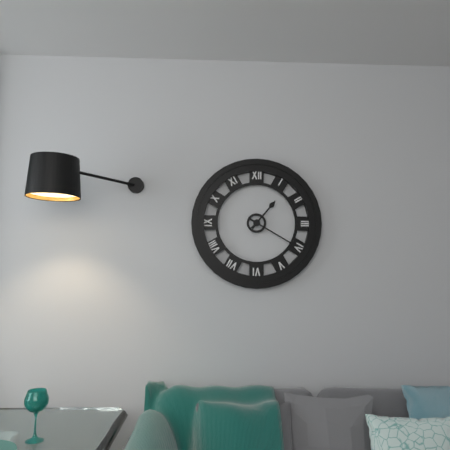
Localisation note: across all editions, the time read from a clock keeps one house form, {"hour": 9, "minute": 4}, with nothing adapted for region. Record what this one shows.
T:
{"hour": 1, "minute": 20}
